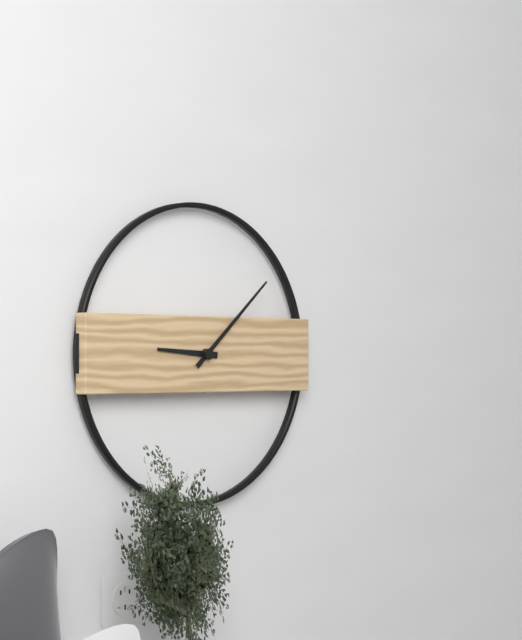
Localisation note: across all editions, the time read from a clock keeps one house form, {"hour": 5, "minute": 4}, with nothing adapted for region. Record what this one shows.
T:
{"hour": 9, "minute": 8}
